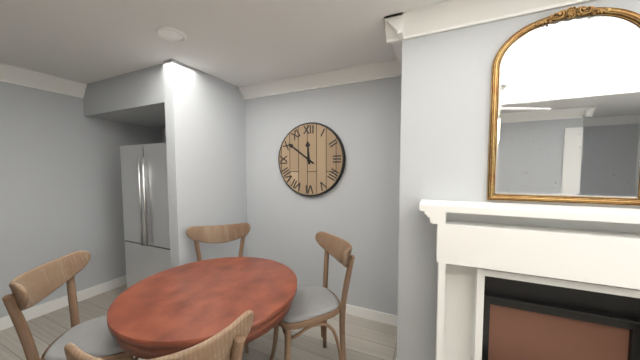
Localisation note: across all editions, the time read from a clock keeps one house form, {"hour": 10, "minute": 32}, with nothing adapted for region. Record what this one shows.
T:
{"hour": 11, "minute": 51}
